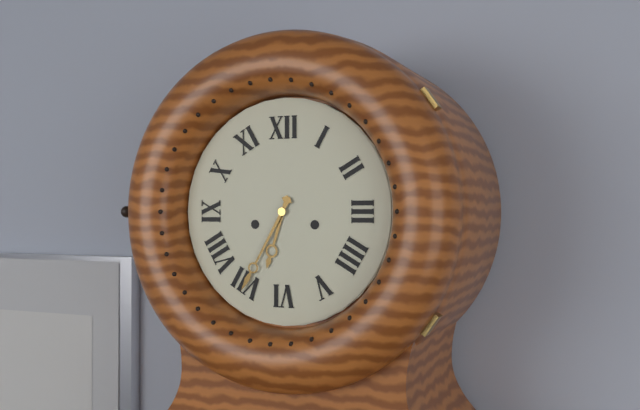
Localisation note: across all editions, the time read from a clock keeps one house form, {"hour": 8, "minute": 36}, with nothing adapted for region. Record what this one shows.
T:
{"hour": 6, "minute": 35}
